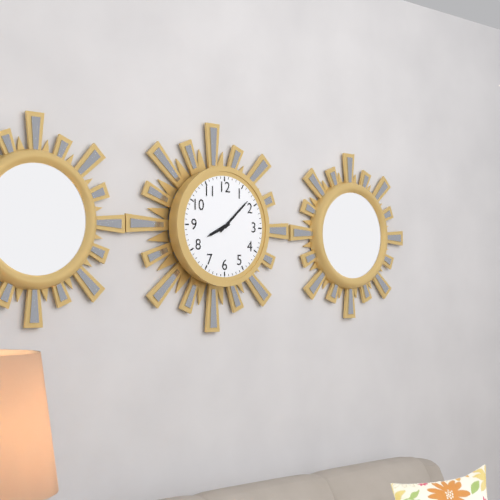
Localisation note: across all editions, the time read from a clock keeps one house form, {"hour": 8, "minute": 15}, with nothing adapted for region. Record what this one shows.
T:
{"hour": 8, "minute": 8}
